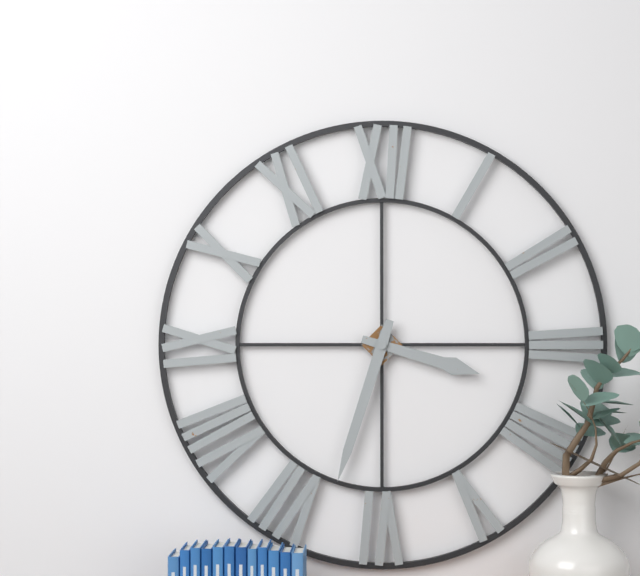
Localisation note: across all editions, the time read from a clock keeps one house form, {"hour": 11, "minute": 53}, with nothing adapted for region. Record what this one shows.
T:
{"hour": 3, "minute": 33}
